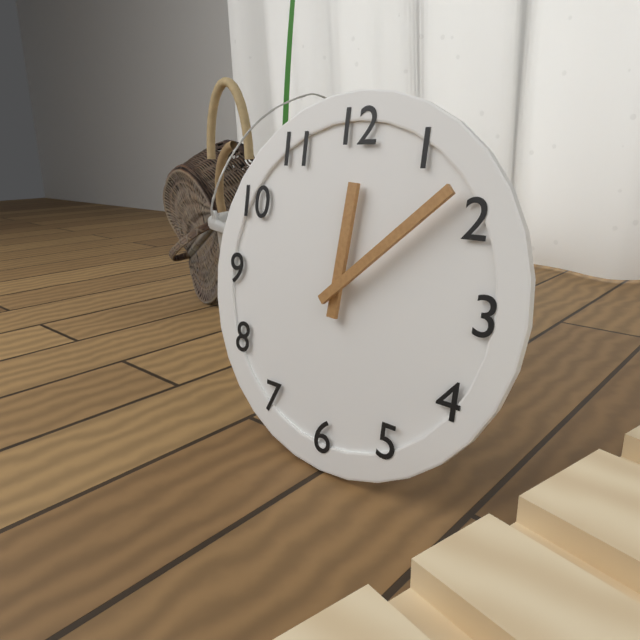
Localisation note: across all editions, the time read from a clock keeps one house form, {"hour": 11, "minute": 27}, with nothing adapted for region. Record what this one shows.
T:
{"hour": 12, "minute": 8}
